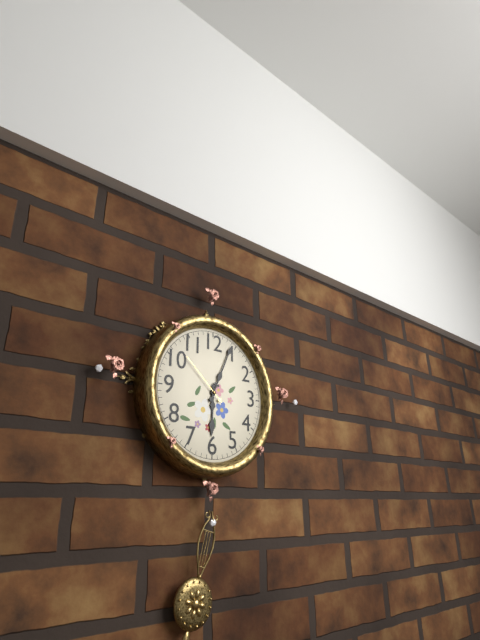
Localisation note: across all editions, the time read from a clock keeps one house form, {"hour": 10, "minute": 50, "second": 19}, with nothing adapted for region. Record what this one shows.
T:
{"hour": 6, "minute": 4, "second": 52}
